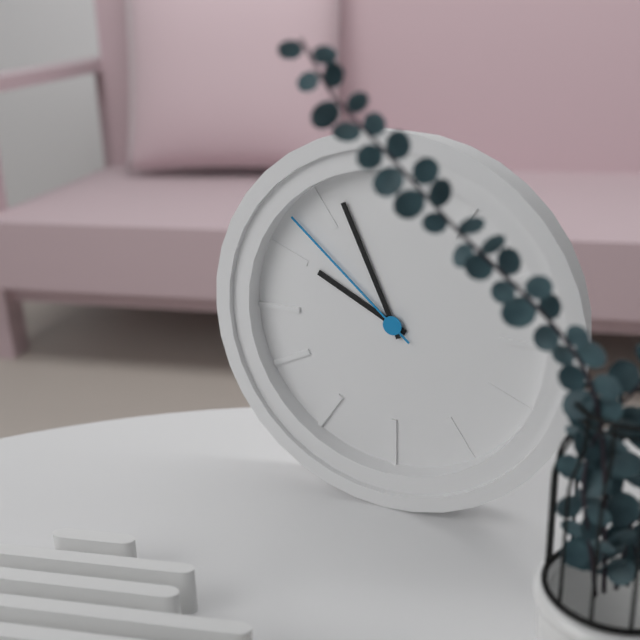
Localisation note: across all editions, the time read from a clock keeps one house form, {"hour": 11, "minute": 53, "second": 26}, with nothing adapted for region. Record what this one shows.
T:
{"hour": 9, "minute": 56, "second": 52}
